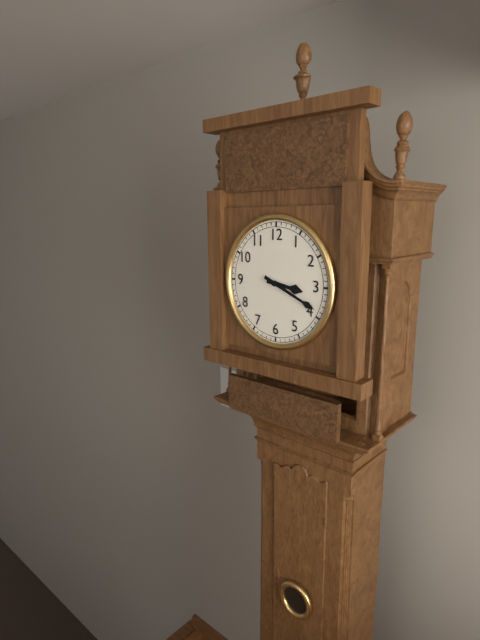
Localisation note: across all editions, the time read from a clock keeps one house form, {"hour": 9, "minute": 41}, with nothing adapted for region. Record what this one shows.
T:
{"hour": 3, "minute": 19}
